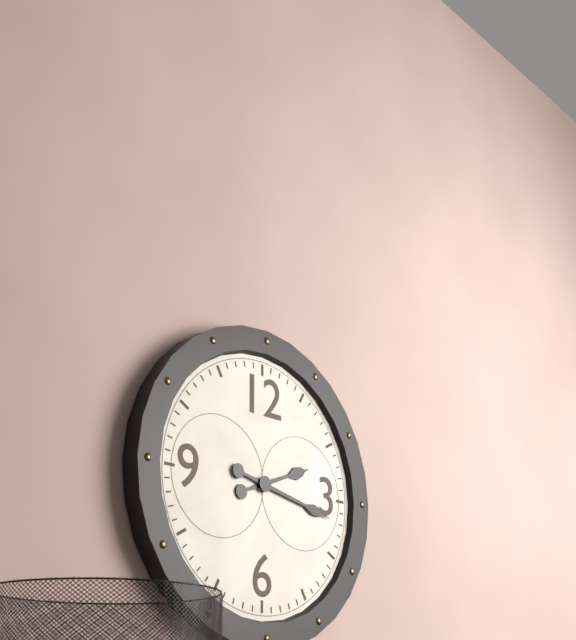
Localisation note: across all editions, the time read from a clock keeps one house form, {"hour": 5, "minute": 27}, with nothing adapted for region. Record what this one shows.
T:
{"hour": 2, "minute": 17}
